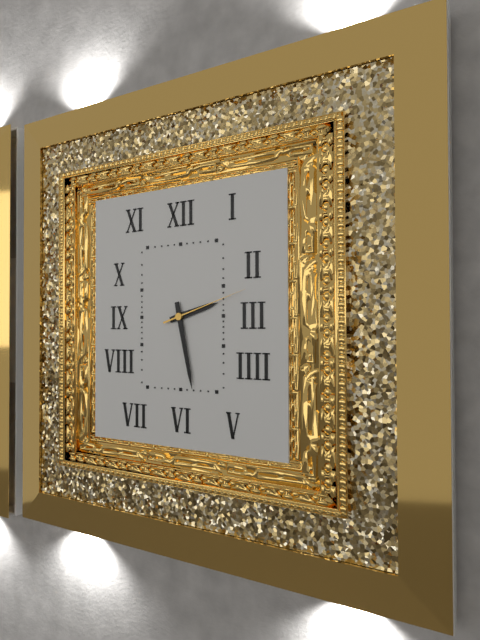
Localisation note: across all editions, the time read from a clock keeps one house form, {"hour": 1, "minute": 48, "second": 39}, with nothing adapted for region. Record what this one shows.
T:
{"hour": 2, "minute": 28, "second": 12}
